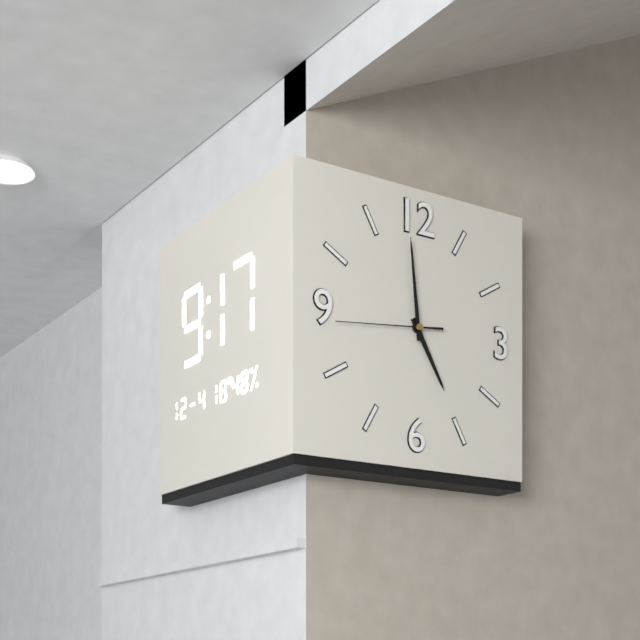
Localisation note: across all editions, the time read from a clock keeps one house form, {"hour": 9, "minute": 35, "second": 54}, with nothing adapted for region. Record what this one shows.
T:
{"hour": 4, "minute": 59, "second": 44}
